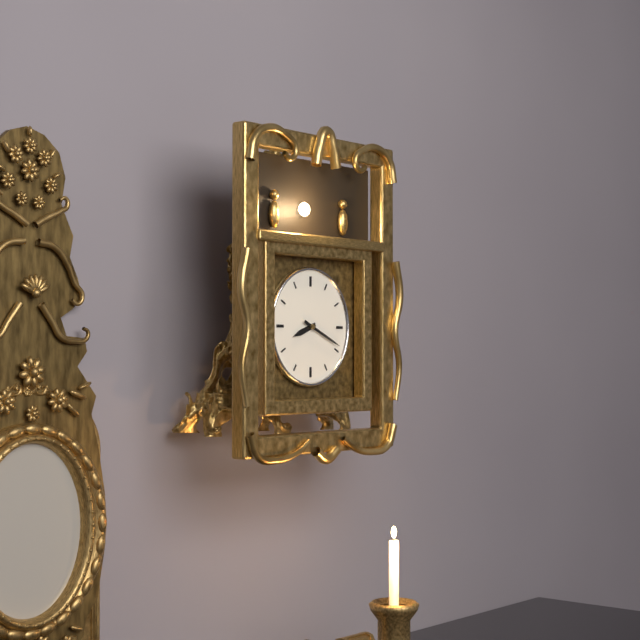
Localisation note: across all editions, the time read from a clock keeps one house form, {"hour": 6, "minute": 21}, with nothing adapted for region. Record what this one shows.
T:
{"hour": 8, "minute": 19}
